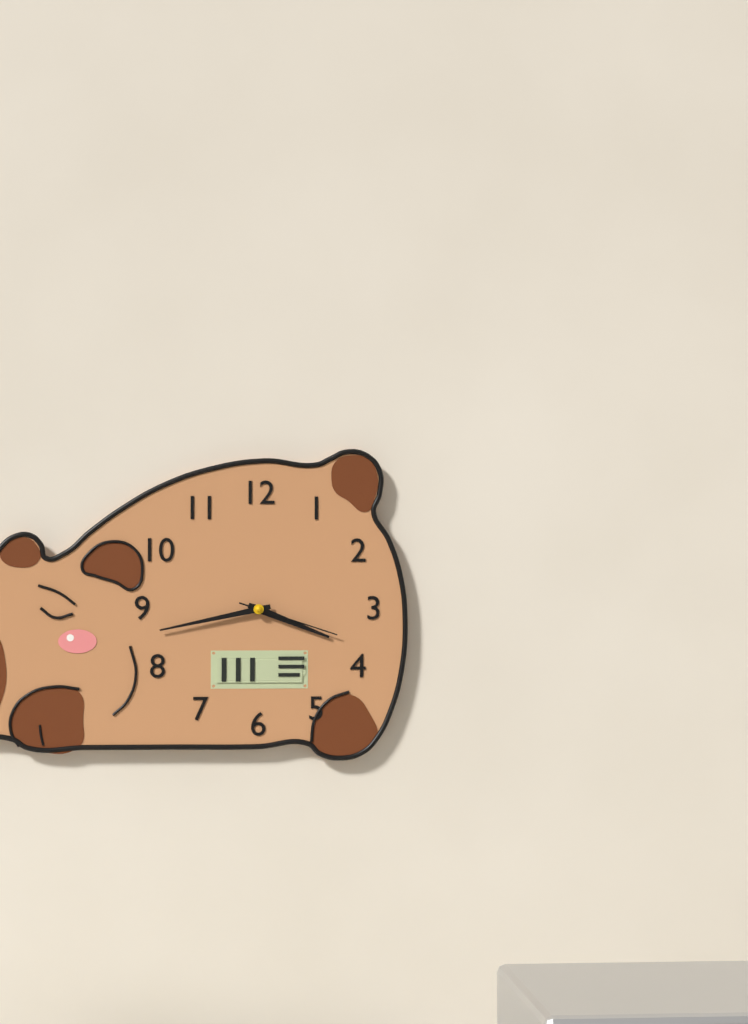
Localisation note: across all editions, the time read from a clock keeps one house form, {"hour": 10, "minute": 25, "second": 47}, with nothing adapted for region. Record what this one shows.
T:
{"hour": 3, "minute": 43, "second": 18}
